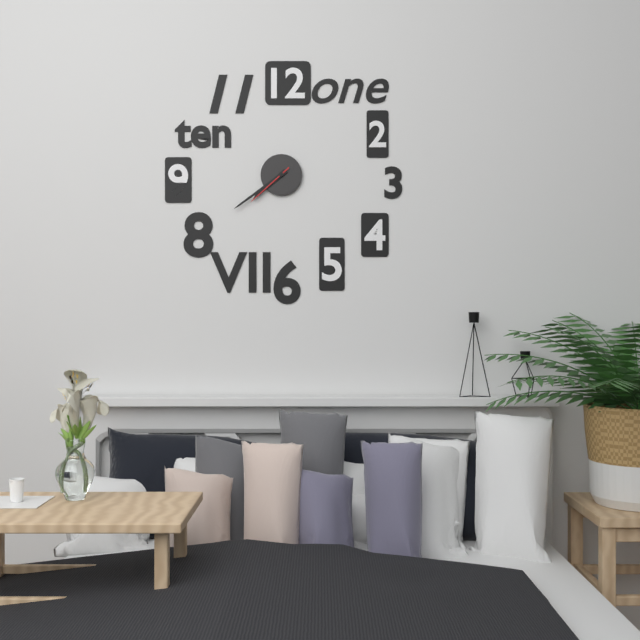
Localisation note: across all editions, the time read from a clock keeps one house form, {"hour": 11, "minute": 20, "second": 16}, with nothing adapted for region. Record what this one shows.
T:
{"hour": 7, "minute": 39, "second": 38}
